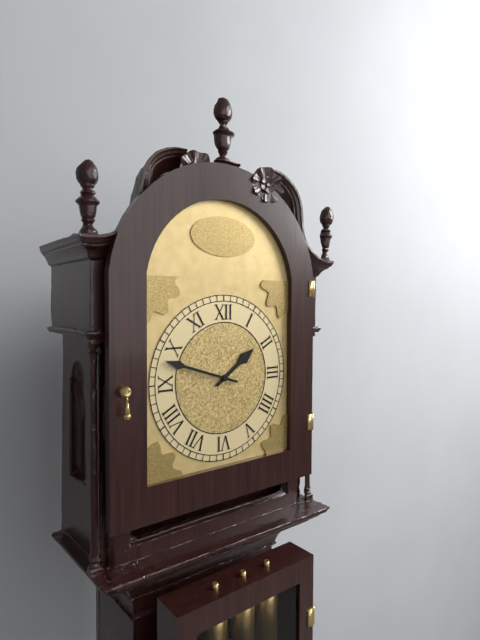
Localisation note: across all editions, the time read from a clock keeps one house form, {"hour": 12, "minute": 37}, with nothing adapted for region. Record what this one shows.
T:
{"hour": 1, "minute": 48}
